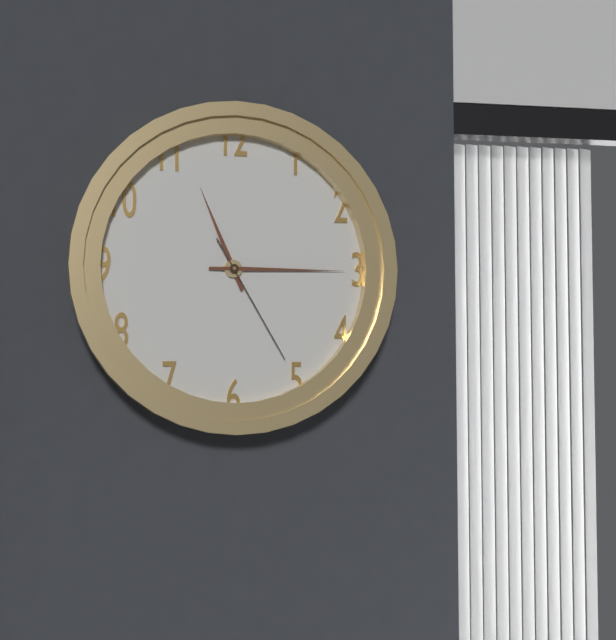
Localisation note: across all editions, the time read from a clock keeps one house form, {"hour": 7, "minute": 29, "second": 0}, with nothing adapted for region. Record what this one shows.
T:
{"hour": 11, "minute": 15, "second": 25}
